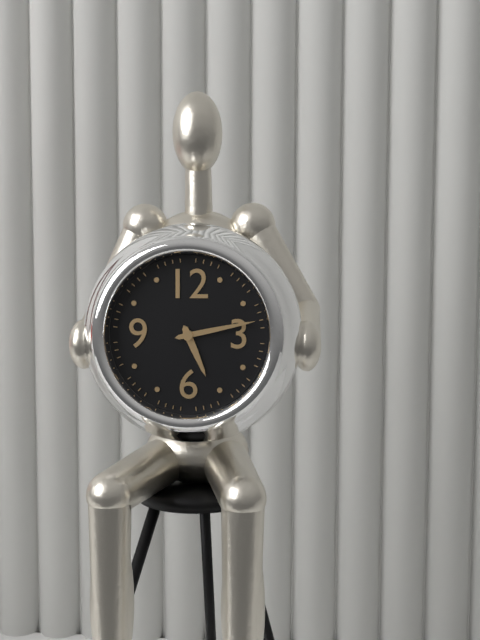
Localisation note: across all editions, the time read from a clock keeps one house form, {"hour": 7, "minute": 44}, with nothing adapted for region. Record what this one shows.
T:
{"hour": 5, "minute": 13}
